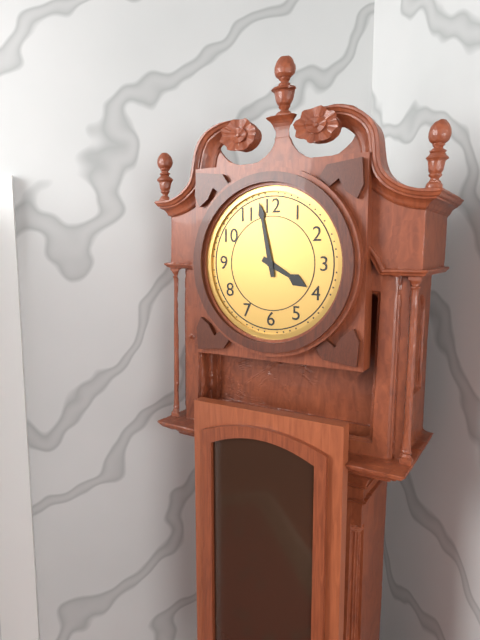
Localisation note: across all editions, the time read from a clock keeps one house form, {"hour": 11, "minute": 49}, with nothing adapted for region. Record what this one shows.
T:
{"hour": 3, "minute": 58}
